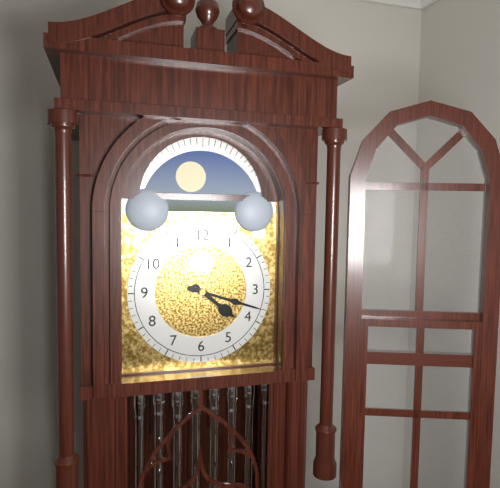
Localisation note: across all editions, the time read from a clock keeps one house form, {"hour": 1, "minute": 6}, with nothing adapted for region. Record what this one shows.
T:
{"hour": 4, "minute": 18}
